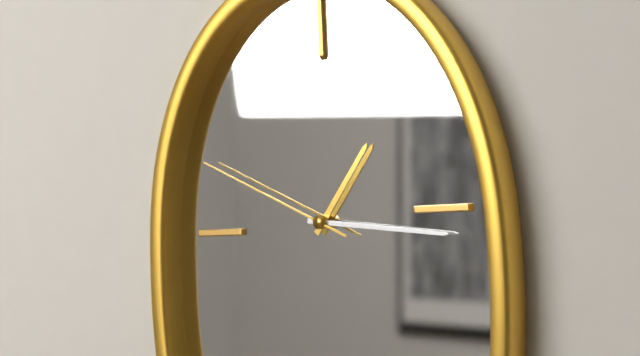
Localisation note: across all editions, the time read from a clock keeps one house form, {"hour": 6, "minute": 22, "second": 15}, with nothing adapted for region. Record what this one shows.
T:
{"hour": 1, "minute": 16, "second": 49}
